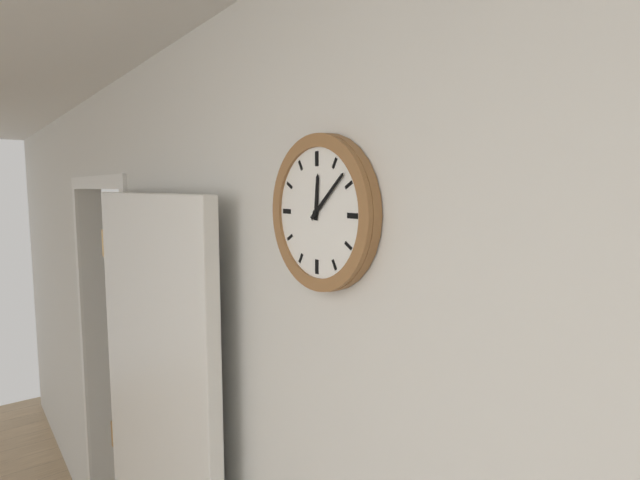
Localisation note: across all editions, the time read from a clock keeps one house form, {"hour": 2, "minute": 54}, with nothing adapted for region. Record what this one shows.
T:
{"hour": 12, "minute": 8}
